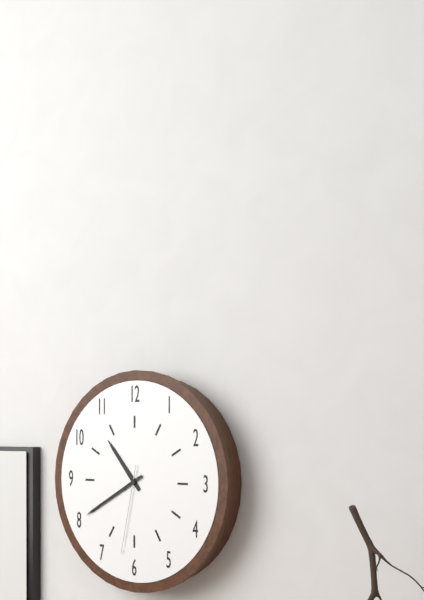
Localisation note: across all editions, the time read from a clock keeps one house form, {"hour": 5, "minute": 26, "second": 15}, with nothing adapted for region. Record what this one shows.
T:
{"hour": 10, "minute": 40, "second": 32}
